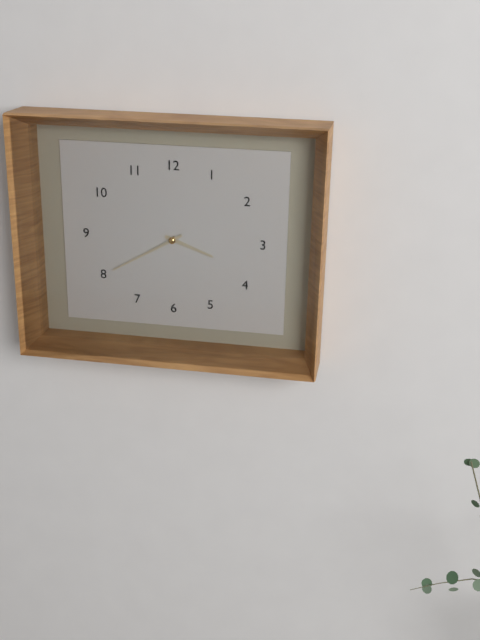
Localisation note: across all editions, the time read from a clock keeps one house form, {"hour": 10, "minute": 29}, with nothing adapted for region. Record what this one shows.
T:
{"hour": 3, "minute": 40}
